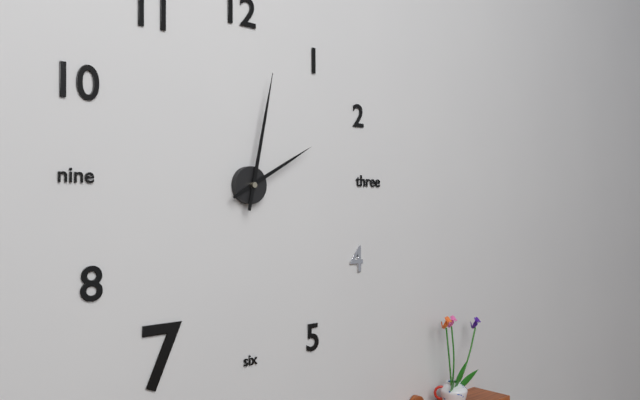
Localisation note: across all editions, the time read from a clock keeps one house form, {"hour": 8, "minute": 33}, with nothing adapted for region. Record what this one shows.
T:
{"hour": 2, "minute": 2}
